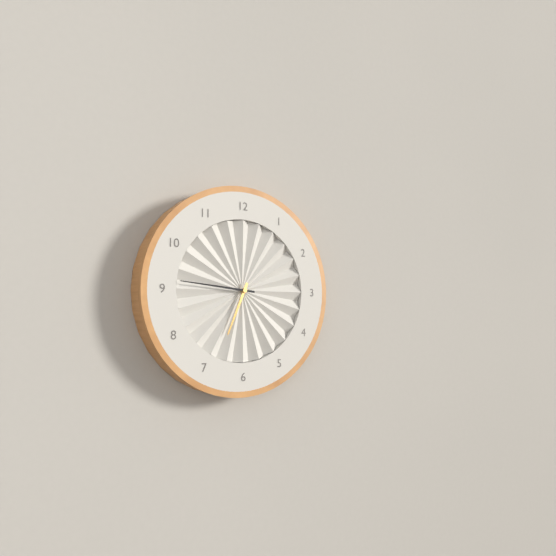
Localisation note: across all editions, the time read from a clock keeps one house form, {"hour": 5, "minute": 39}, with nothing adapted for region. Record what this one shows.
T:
{"hour": 6, "minute": 46}
